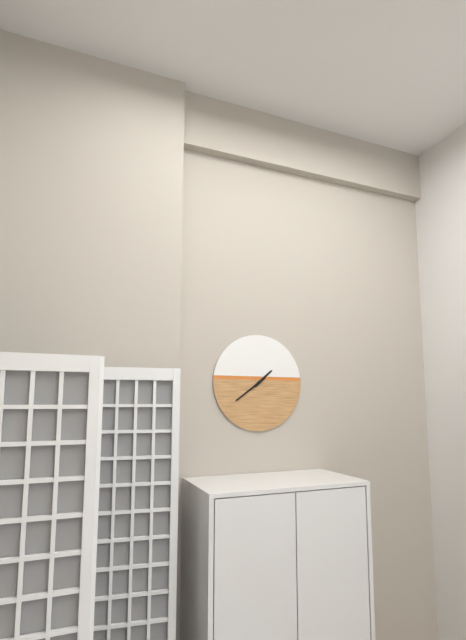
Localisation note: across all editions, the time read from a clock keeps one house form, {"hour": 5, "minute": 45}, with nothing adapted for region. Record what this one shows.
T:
{"hour": 1, "minute": 39}
